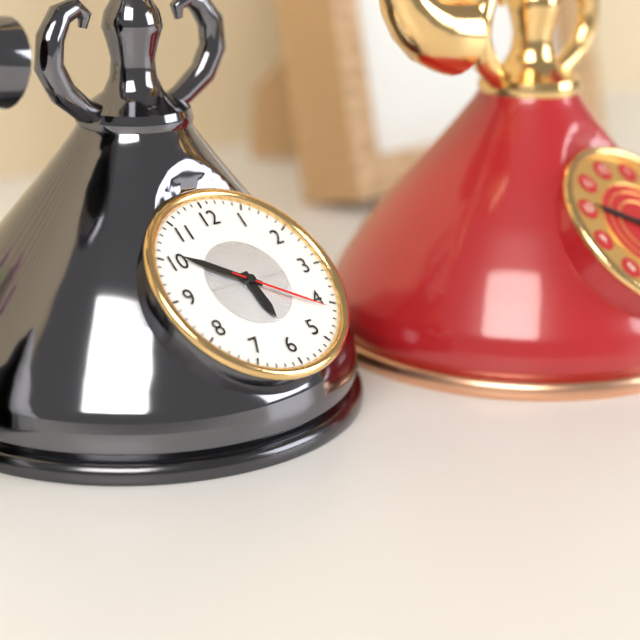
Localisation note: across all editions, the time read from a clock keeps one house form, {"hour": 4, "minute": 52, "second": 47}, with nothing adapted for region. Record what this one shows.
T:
{"hour": 5, "minute": 51, "second": 21}
